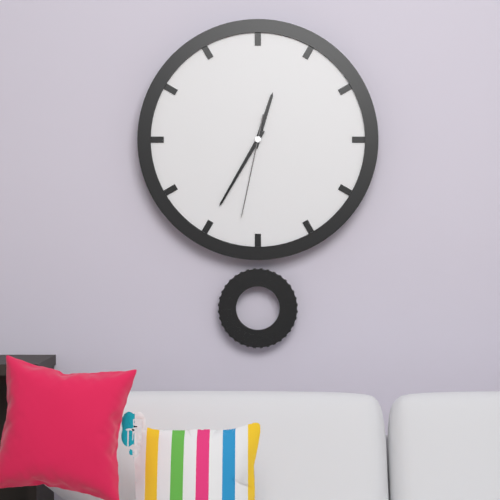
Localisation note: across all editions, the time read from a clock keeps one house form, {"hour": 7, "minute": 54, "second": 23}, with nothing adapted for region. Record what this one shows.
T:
{"hour": 12, "minute": 35, "second": 32}
